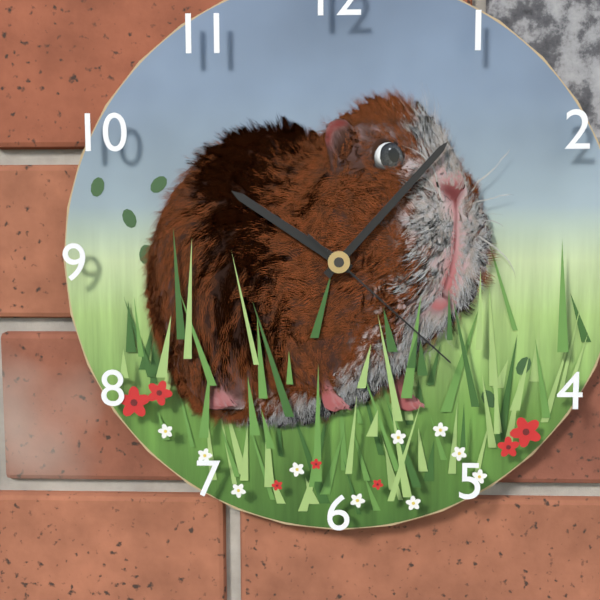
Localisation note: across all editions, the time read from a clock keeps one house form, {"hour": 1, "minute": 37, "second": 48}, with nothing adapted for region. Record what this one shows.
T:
{"hour": 10, "minute": 7, "second": 22}
